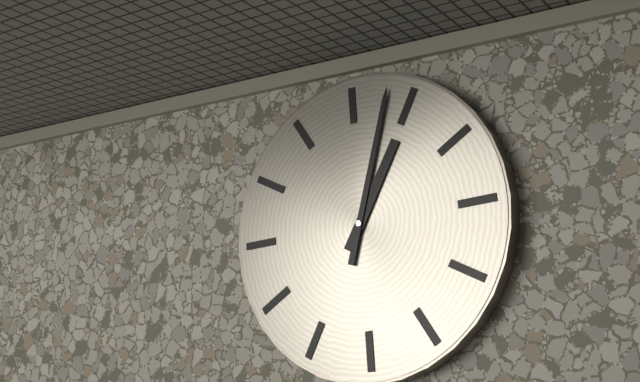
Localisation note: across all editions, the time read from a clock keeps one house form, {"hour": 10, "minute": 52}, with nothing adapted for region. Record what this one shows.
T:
{"hour": 1, "minute": 3}
